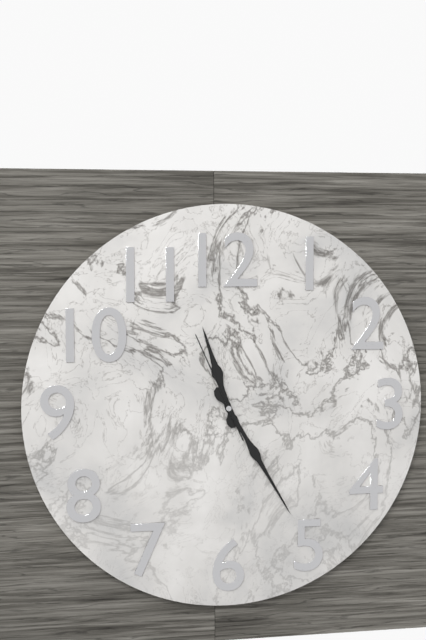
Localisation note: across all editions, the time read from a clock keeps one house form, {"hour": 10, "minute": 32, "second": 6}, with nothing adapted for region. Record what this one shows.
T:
{"hour": 11, "minute": 25, "second": 56}
